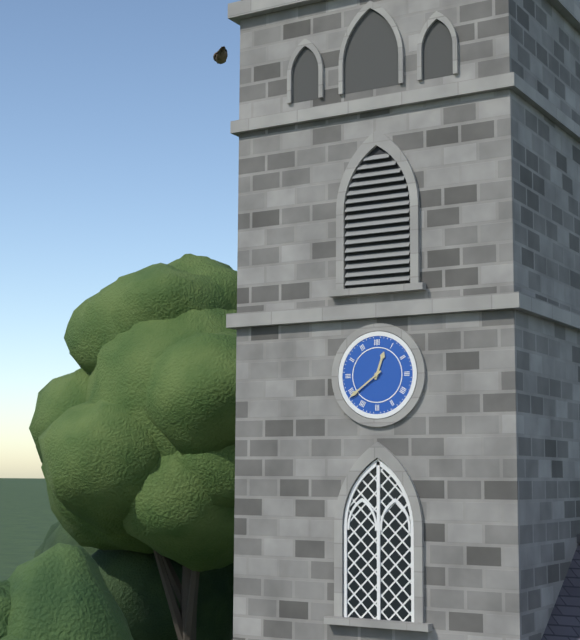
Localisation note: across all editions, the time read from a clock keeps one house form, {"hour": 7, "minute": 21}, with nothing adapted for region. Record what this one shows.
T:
{"hour": 12, "minute": 39}
